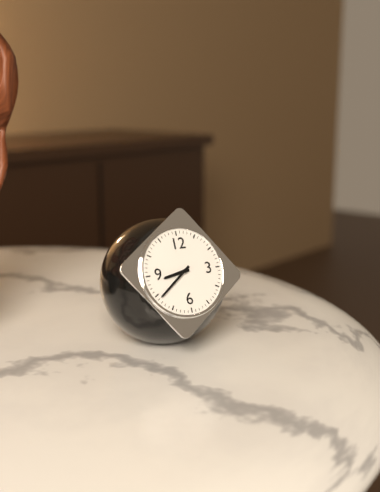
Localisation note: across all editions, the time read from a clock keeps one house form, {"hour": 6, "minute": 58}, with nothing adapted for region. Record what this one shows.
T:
{"hour": 8, "minute": 39}
